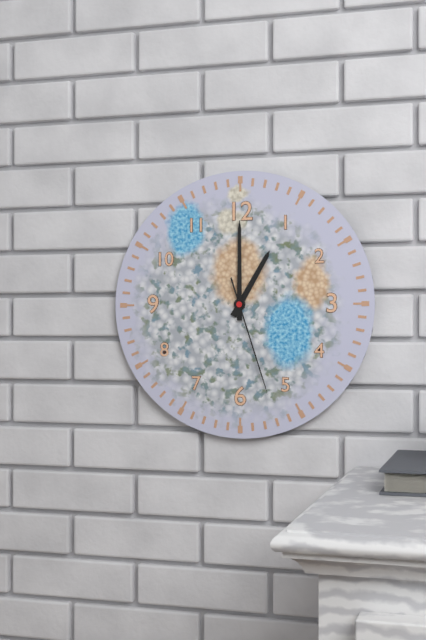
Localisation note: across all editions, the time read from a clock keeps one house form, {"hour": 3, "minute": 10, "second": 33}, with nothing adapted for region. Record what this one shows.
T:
{"hour": 1, "minute": 0, "second": 27}
